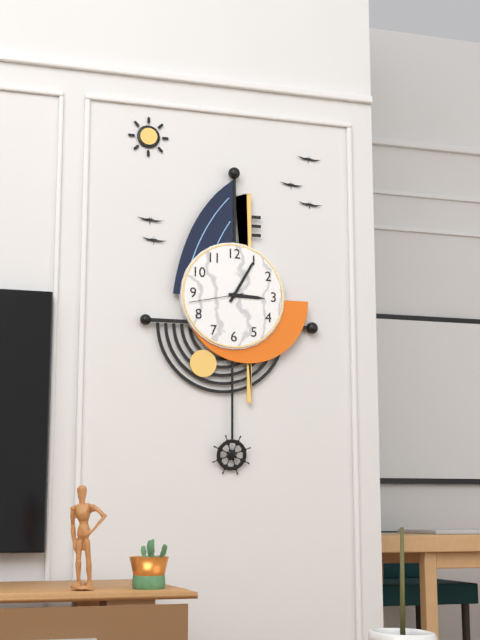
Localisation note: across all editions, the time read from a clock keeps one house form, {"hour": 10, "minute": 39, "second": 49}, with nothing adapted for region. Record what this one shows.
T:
{"hour": 3, "minute": 5, "second": 43}
